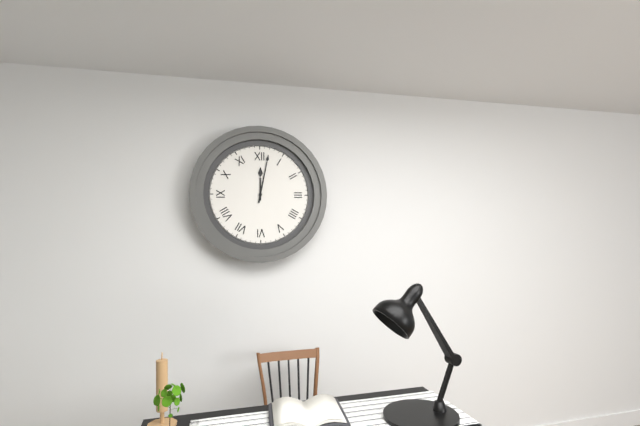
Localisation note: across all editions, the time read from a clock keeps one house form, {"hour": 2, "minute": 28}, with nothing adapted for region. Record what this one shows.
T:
{"hour": 12, "minute": 2}
